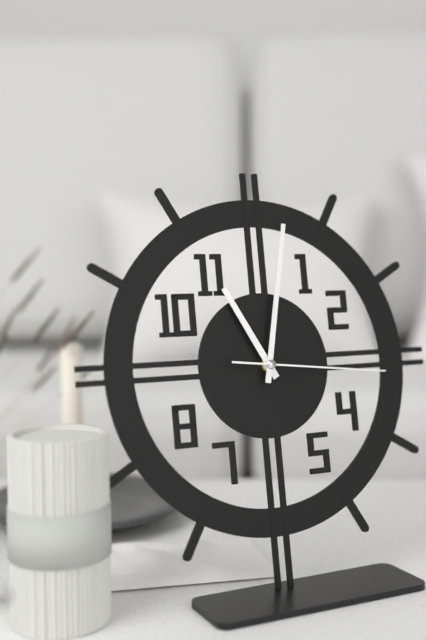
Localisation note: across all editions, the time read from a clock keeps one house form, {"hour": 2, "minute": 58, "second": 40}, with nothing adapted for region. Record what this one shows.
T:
{"hour": 11, "minute": 2, "second": 16}
